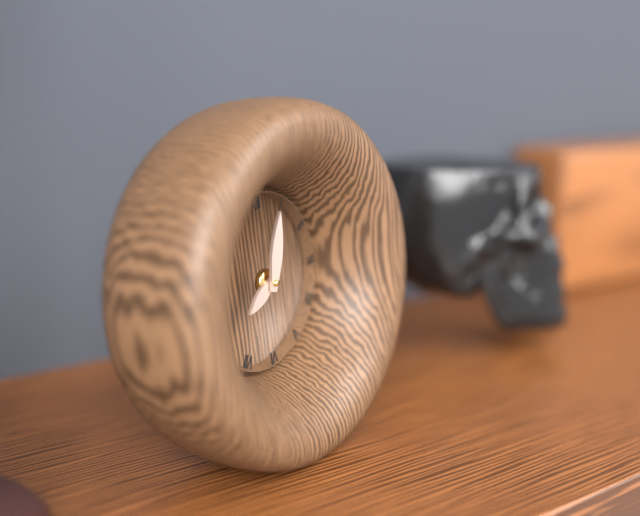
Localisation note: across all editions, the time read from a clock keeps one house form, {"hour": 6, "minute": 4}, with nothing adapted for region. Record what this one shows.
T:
{"hour": 8, "minute": 3}
